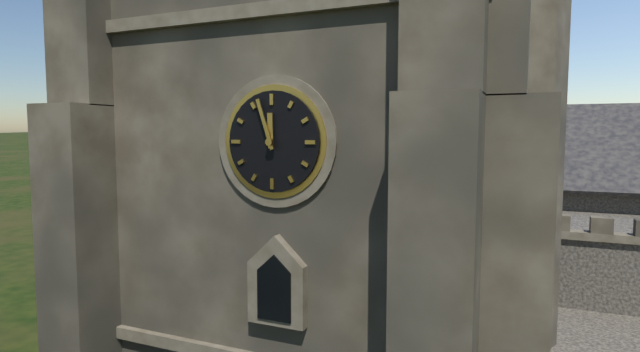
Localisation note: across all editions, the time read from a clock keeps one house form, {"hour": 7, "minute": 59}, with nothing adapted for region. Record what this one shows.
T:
{"hour": 11, "minute": 57}
